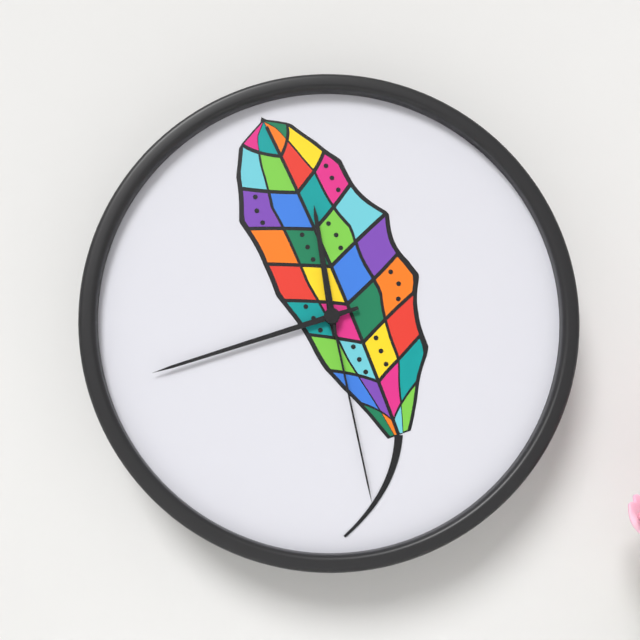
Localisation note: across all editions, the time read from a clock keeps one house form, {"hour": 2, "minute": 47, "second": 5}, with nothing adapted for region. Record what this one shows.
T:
{"hour": 11, "minute": 42, "second": 28}
